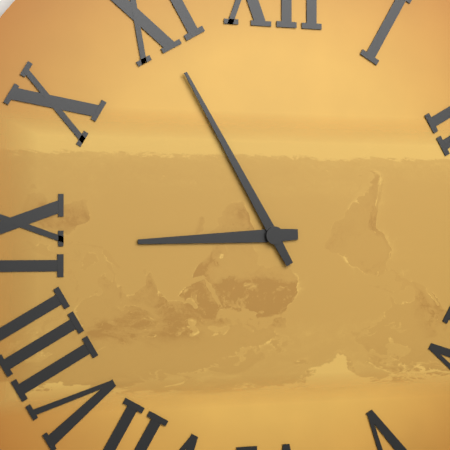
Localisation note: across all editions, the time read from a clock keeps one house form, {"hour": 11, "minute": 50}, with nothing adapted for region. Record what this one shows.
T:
{"hour": 8, "minute": 55}
